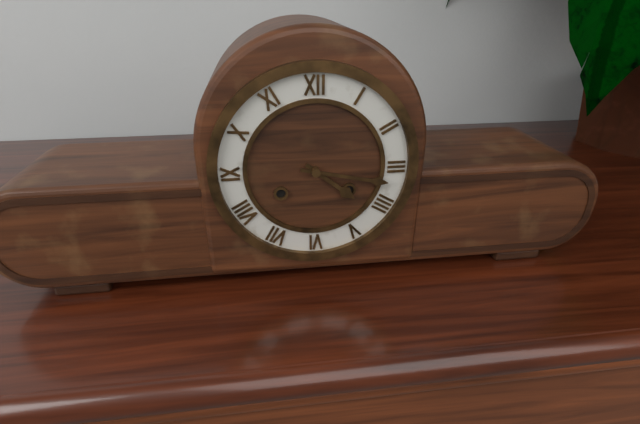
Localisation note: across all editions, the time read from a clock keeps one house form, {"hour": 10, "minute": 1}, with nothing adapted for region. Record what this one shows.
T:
{"hour": 4, "minute": 17}
